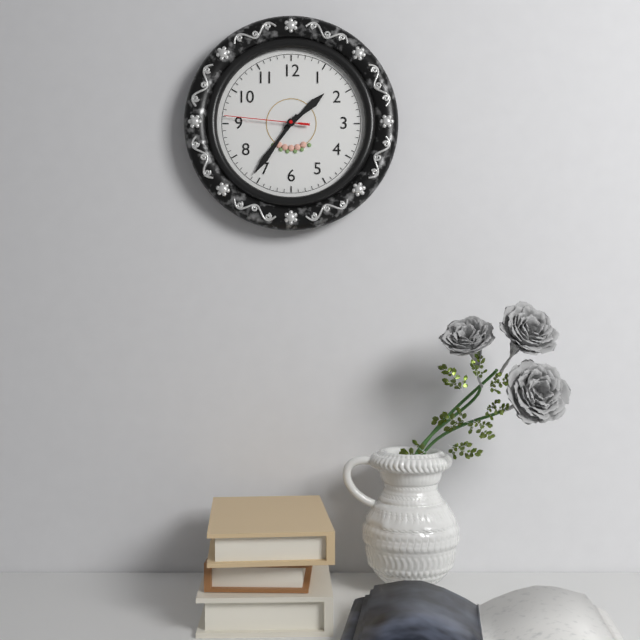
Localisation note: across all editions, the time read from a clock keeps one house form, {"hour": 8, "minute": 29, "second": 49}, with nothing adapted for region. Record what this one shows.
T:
{"hour": 1, "minute": 36, "second": 46}
